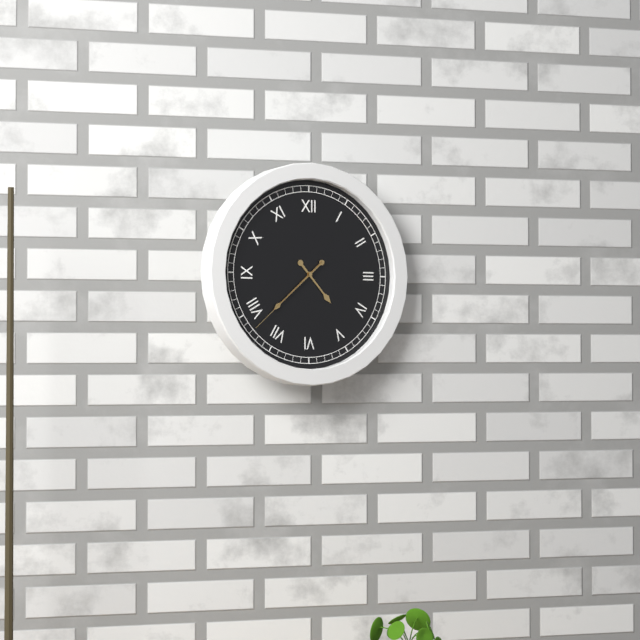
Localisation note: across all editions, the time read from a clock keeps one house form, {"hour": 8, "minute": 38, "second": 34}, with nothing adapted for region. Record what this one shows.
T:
{"hour": 4, "minute": 38, "second": 38}
